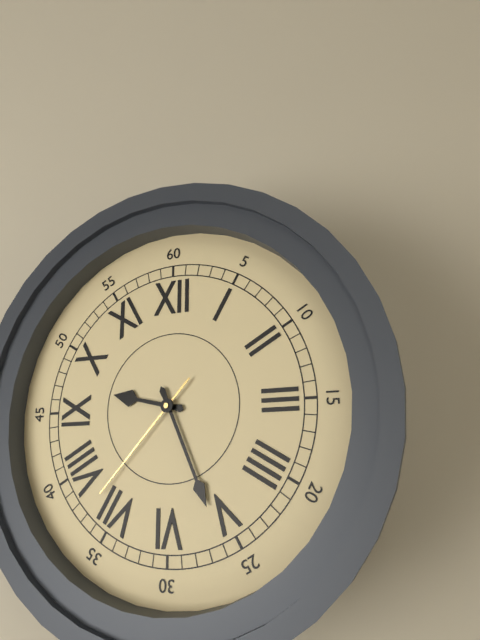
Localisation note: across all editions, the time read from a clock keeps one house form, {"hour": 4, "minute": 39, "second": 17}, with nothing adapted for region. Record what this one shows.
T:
{"hour": 9, "minute": 26, "second": 37}
